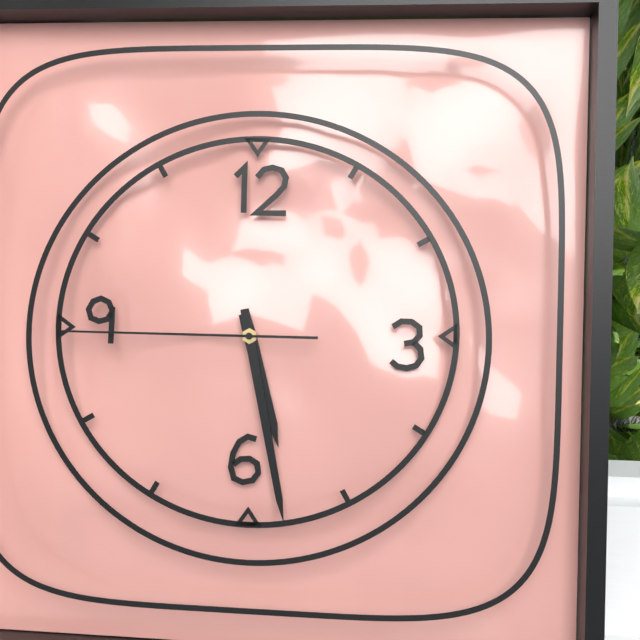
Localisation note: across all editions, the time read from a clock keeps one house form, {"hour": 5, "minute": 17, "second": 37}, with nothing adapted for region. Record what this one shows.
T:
{"hour": 5, "minute": 28, "second": 45}
